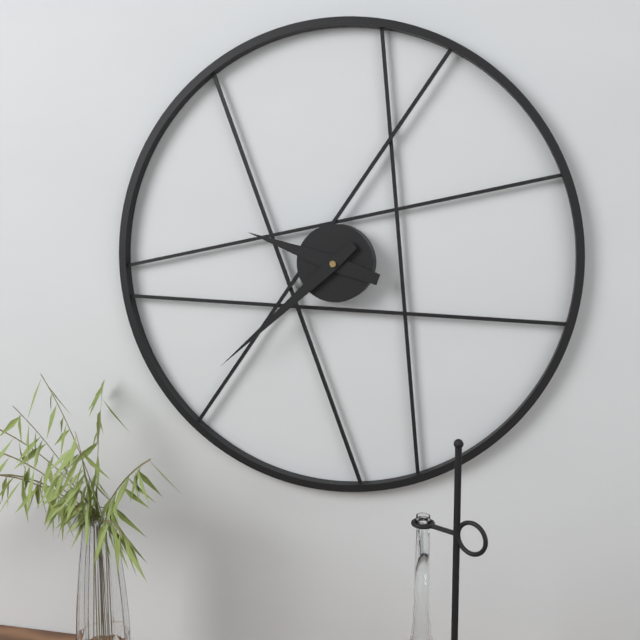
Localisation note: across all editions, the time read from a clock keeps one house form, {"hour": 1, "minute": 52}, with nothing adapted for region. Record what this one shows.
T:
{"hour": 9, "minute": 38}
